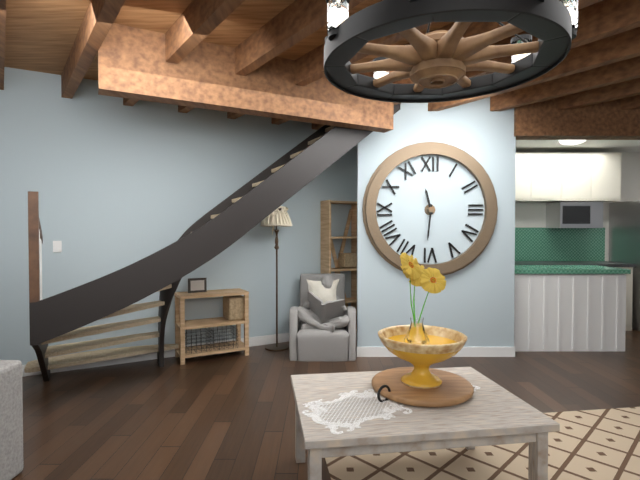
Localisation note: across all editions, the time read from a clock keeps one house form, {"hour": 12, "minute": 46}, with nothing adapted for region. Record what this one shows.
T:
{"hour": 11, "minute": 31}
